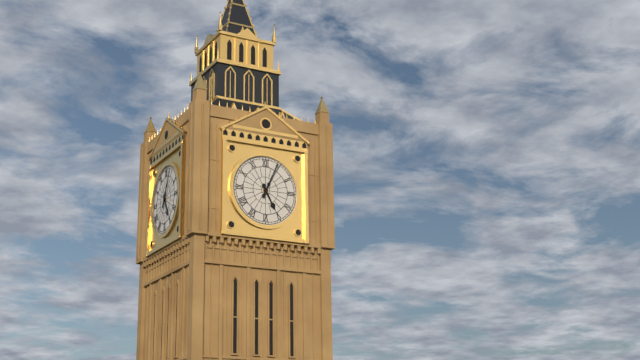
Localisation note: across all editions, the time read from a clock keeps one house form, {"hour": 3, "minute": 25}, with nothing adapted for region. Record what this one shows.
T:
{"hour": 5, "minute": 4}
